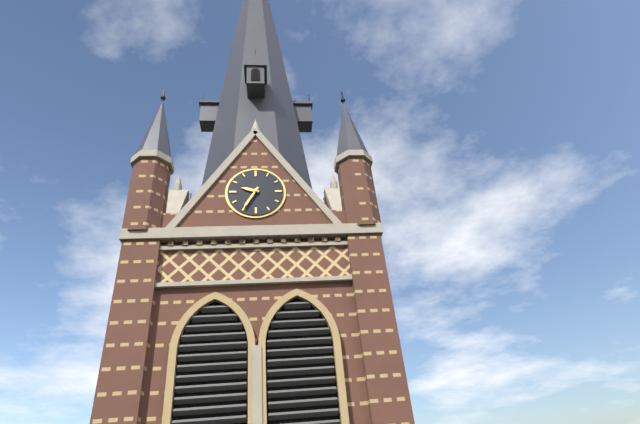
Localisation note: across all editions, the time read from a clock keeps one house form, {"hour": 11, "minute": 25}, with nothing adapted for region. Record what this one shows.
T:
{"hour": 9, "minute": 35}
